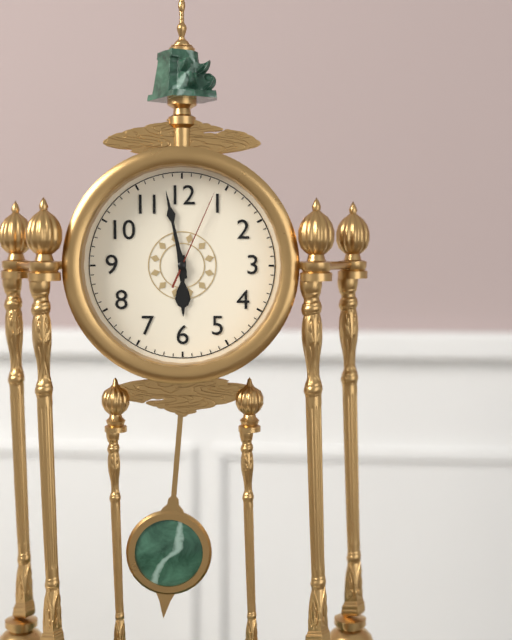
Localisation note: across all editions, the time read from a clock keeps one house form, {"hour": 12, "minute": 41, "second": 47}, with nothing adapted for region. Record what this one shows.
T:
{"hour": 5, "minute": 58, "second": 4}
